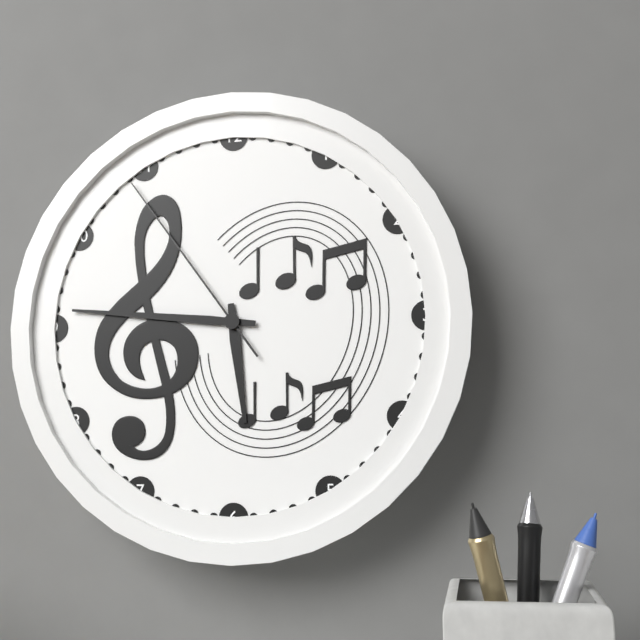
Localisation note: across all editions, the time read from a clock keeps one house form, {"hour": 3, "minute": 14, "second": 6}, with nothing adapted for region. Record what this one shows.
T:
{"hour": 5, "minute": 46, "second": 54}
